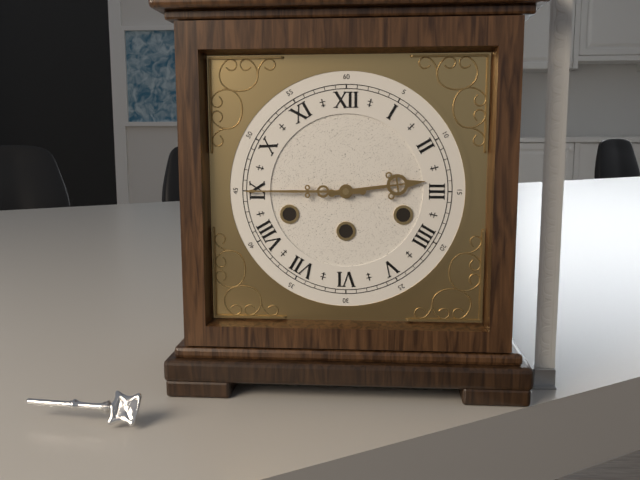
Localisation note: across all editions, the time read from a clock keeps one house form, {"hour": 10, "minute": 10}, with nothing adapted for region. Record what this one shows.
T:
{"hour": 2, "minute": 45}
